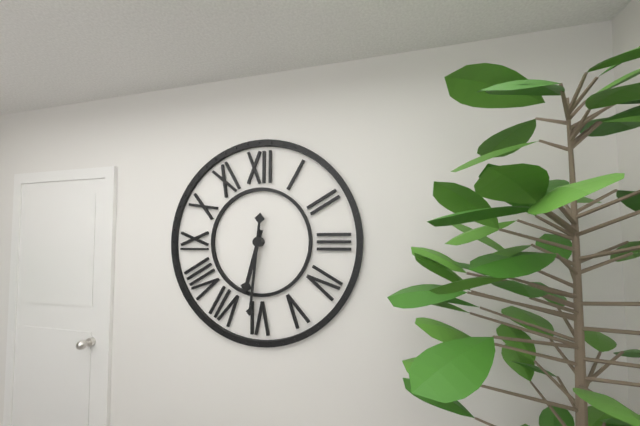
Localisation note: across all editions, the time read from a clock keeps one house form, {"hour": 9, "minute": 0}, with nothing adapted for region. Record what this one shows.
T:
{"hour": 6, "minute": 31}
